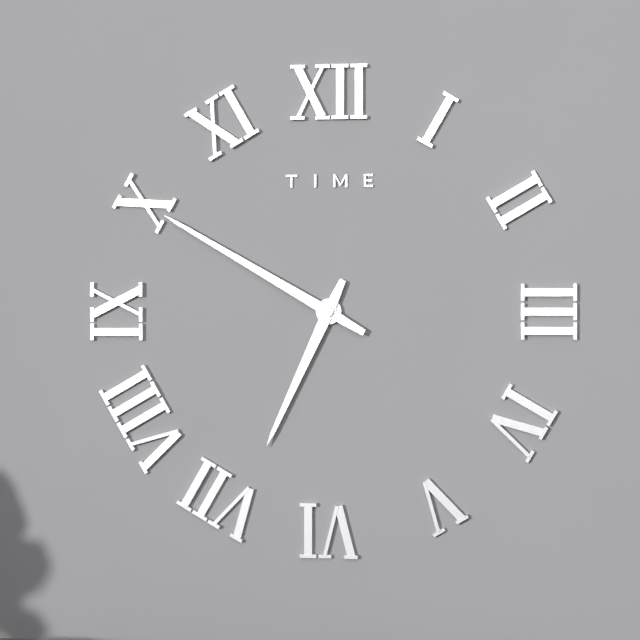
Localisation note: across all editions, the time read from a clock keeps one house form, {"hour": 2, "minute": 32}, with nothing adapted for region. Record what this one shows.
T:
{"hour": 6, "minute": 50}
